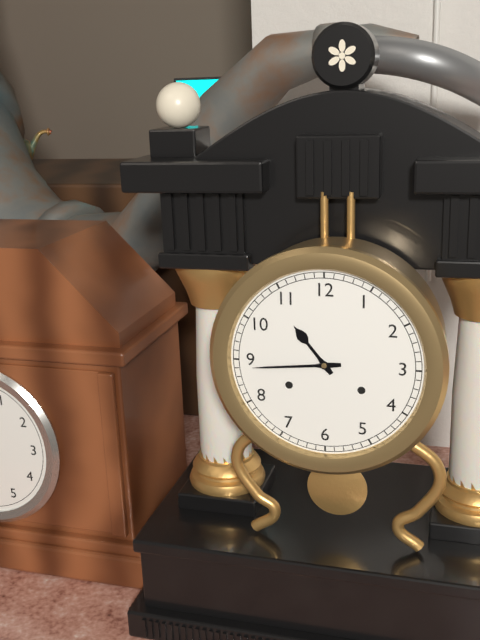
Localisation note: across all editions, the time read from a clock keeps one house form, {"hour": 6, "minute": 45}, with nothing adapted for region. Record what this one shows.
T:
{"hour": 10, "minute": 44}
